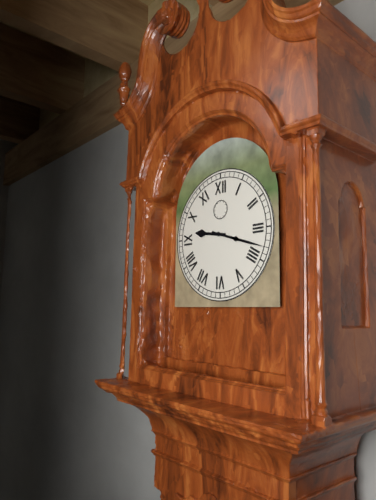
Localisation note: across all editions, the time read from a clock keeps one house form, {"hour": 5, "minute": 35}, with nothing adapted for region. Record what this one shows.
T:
{"hour": 9, "minute": 18}
